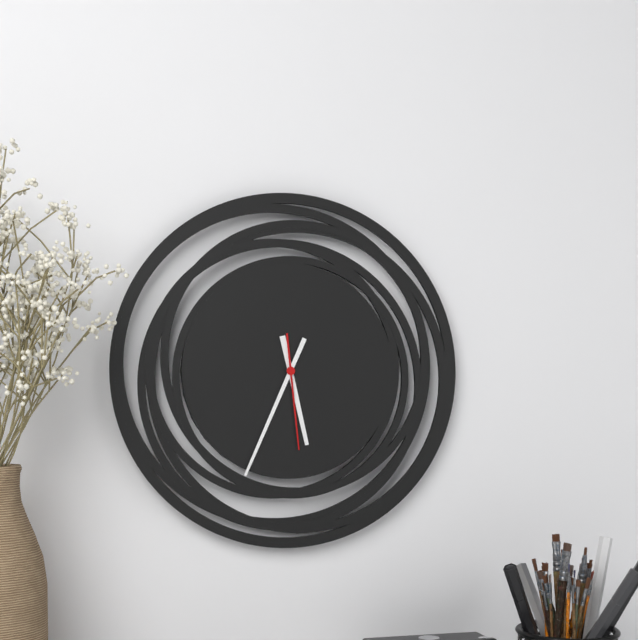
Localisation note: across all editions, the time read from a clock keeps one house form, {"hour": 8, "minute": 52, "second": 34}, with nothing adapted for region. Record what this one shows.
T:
{"hour": 5, "minute": 34, "second": 29}
